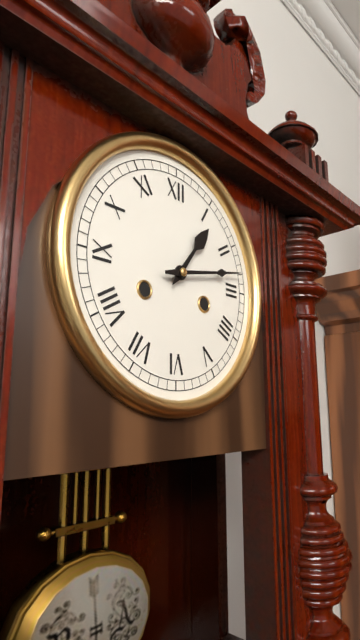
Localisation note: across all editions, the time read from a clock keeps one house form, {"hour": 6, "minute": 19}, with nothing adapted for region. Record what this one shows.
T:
{"hour": 1, "minute": 13}
